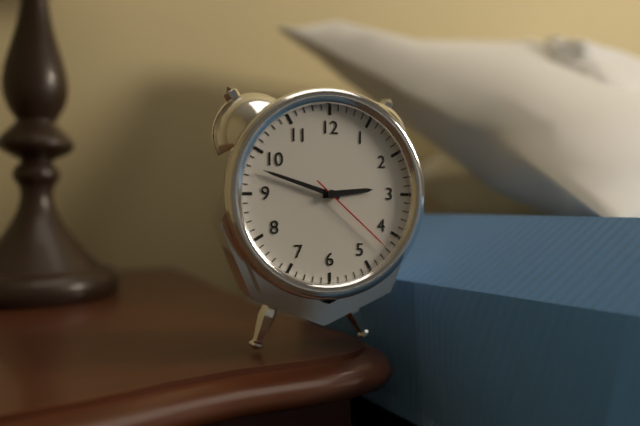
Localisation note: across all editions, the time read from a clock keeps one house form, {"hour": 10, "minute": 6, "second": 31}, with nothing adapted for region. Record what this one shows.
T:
{"hour": 2, "minute": 48, "second": 22}
